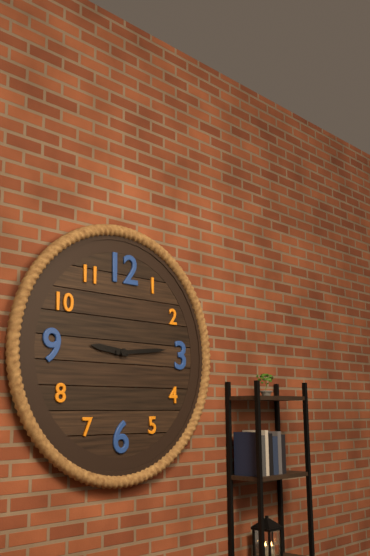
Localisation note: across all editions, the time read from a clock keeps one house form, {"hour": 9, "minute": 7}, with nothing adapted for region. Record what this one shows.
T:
{"hour": 9, "minute": 14}
